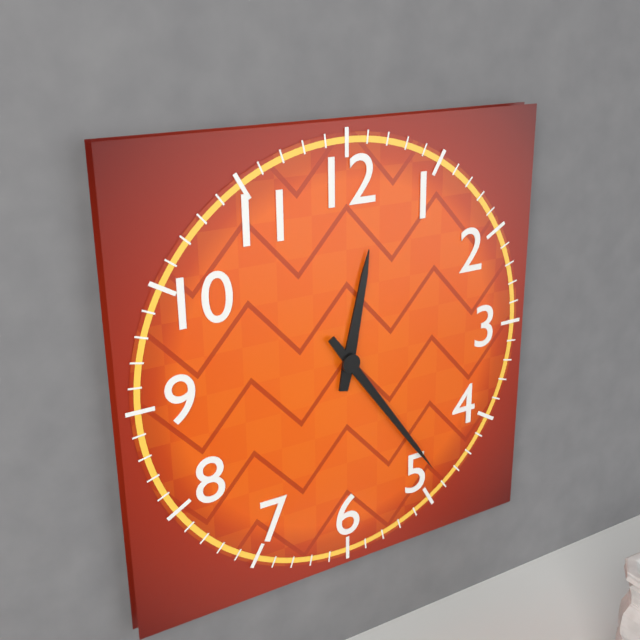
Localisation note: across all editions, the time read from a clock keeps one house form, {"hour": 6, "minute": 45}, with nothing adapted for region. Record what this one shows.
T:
{"hour": 12, "minute": 24}
